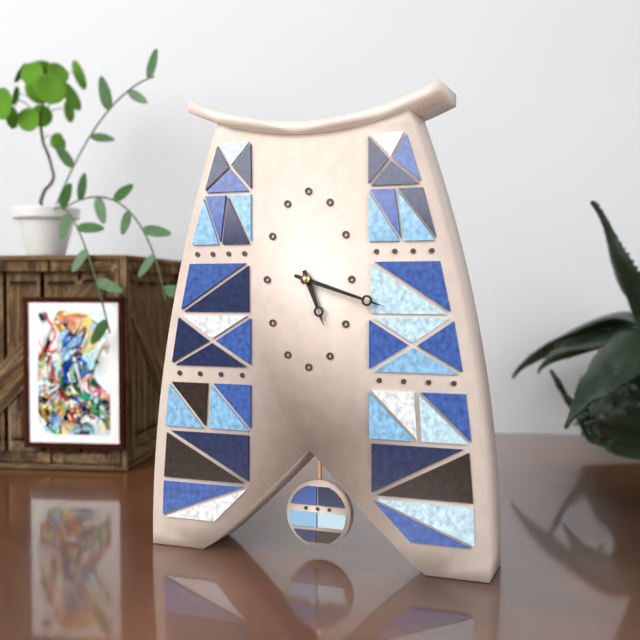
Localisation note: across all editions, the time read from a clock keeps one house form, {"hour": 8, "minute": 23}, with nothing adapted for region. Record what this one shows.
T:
{"hour": 5, "minute": 18}
